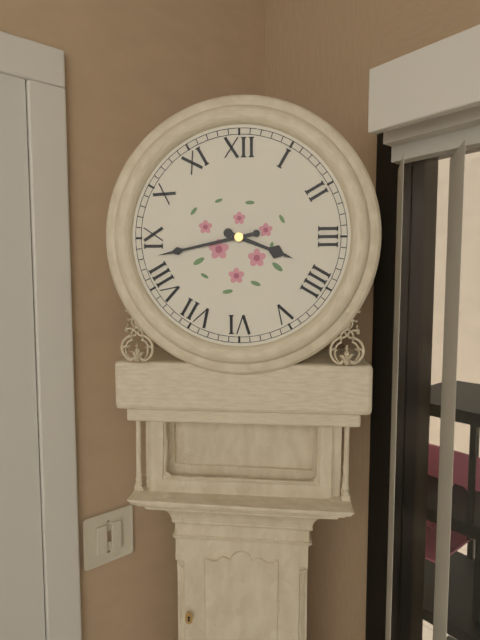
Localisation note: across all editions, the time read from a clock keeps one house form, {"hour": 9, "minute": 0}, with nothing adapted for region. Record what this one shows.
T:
{"hour": 3, "minute": 43}
